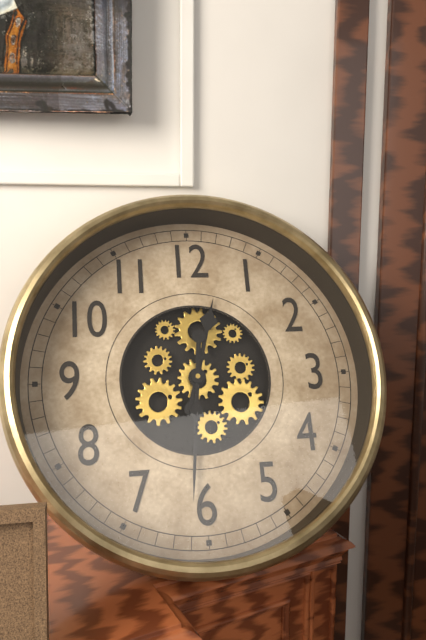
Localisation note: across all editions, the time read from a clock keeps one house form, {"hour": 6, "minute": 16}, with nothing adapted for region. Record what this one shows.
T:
{"hour": 12, "minute": 31}
